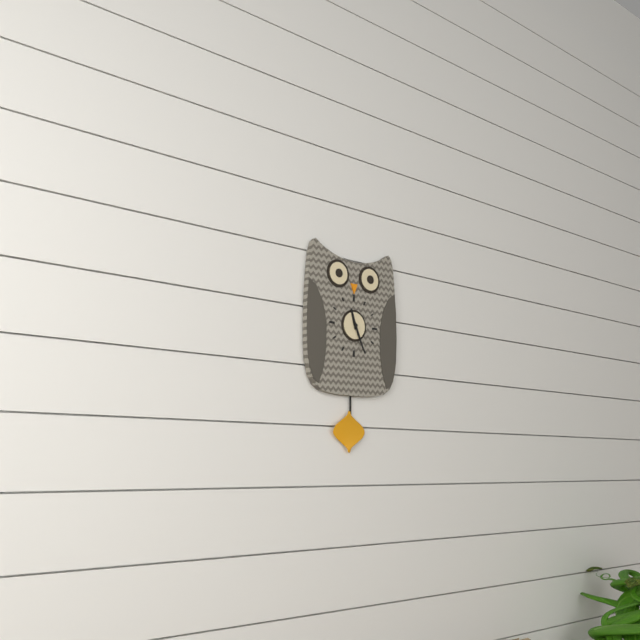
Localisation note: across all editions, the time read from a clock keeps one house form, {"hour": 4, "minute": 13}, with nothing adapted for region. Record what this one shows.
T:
{"hour": 11, "minute": 26}
